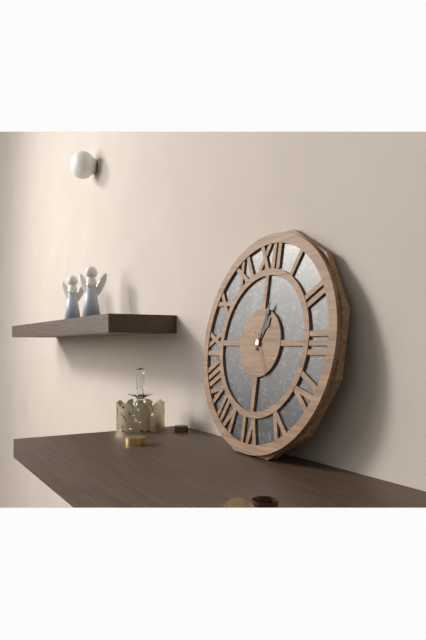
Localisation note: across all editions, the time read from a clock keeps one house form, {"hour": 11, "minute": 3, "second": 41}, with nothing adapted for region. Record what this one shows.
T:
{"hour": 1, "minute": 3, "second": 25}
